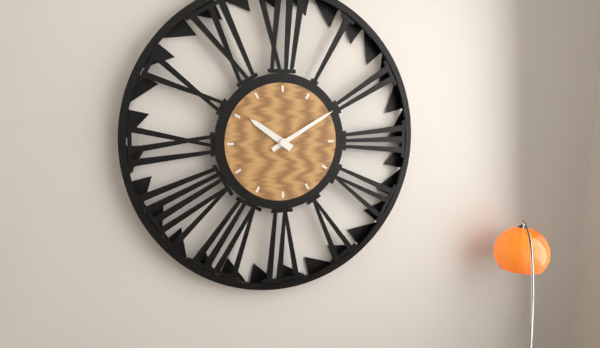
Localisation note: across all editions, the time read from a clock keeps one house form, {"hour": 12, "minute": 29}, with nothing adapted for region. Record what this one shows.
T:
{"hour": 10, "minute": 10}
